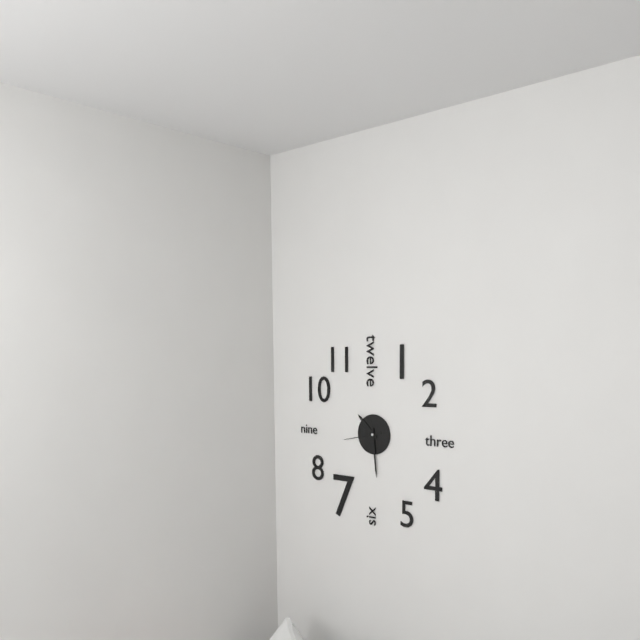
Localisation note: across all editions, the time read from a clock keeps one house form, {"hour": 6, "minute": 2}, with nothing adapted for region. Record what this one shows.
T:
{"hour": 10, "minute": 29}
